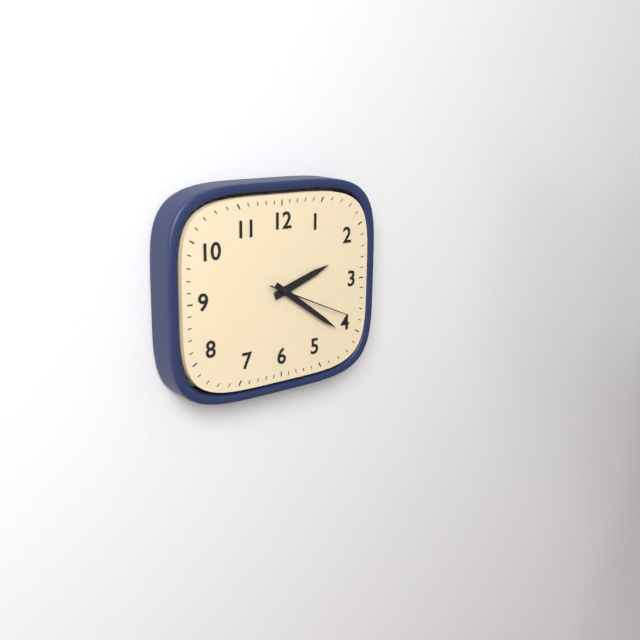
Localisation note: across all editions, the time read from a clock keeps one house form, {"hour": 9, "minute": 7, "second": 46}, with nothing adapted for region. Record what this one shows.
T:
{"hour": 2, "minute": 21, "second": 19}
